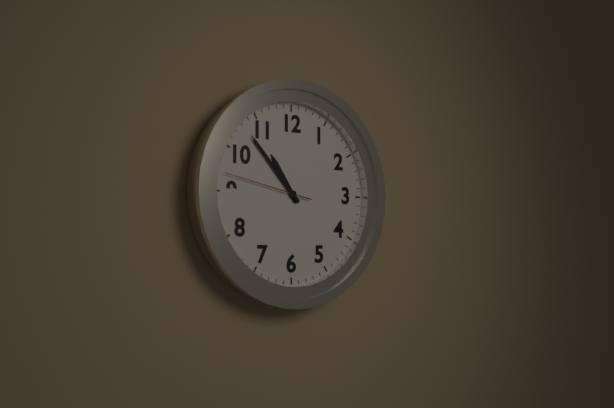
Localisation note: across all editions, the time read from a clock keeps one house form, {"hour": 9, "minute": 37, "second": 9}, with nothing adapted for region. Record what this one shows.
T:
{"hour": 10, "minute": 53, "second": 47}
